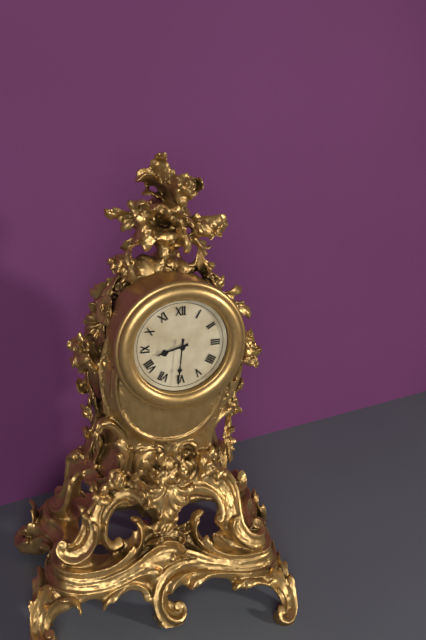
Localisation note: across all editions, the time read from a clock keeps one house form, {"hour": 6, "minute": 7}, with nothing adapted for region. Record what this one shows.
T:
{"hour": 8, "minute": 31}
